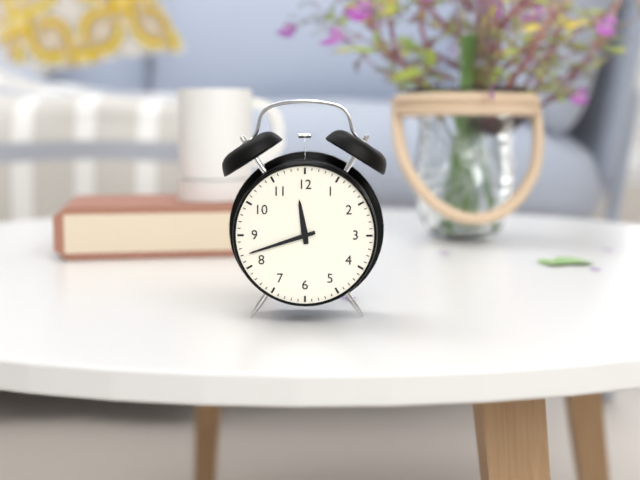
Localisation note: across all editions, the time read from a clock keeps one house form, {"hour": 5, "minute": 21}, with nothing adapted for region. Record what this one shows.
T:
{"hour": 11, "minute": 42}
